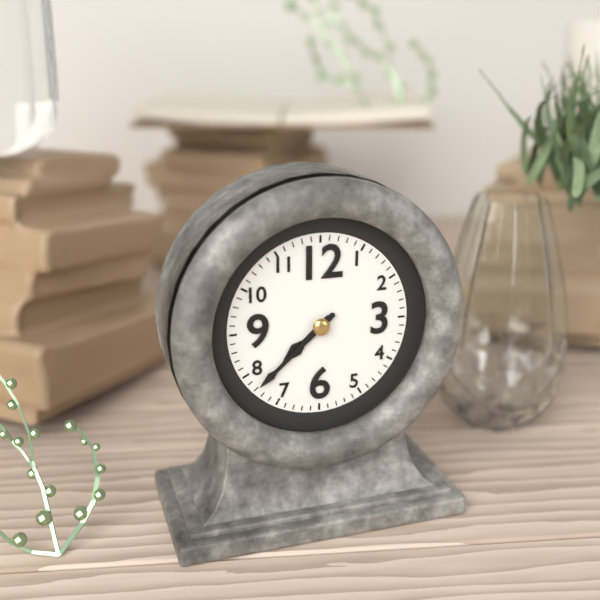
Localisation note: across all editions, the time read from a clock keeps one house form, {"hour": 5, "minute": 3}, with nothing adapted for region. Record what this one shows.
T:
{"hour": 7, "minute": 38}
